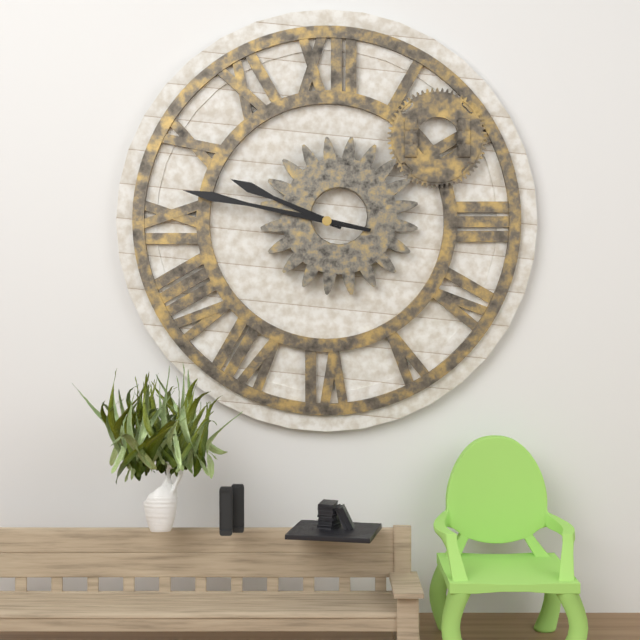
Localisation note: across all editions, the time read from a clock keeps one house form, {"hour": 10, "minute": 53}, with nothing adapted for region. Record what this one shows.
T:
{"hour": 9, "minute": 47}
